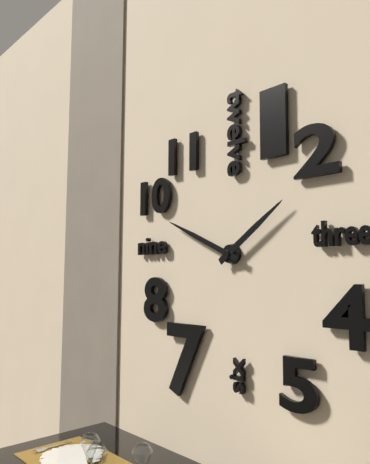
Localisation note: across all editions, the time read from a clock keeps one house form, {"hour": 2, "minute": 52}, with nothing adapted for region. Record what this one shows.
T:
{"hour": 1, "minute": 49}
